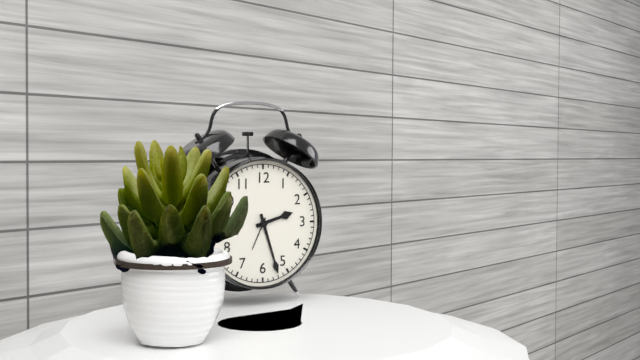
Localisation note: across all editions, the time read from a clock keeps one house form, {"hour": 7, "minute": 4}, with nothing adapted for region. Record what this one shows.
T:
{"hour": 2, "minute": 27}
